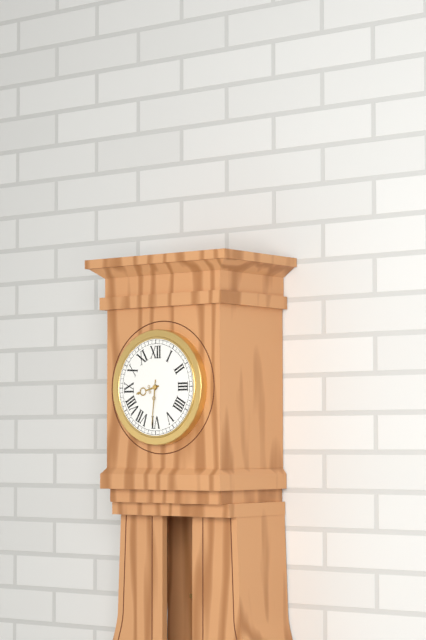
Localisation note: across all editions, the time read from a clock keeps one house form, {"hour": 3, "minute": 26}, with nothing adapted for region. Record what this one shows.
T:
{"hour": 8, "minute": 31}
